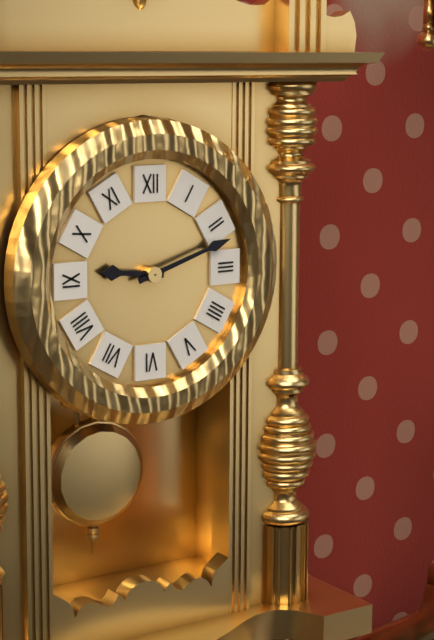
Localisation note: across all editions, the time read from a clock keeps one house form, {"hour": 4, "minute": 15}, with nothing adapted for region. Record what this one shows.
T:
{"hour": 9, "minute": 12}
